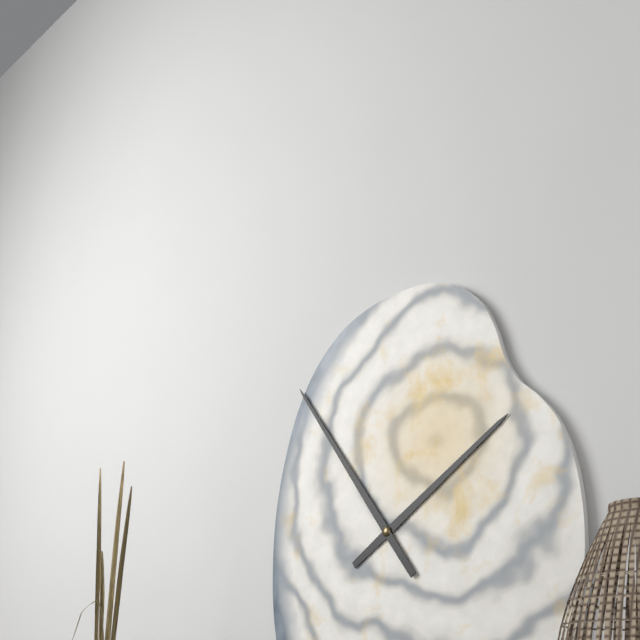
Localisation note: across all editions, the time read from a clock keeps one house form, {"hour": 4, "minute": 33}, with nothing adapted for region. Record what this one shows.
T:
{"hour": 1, "minute": 54}
